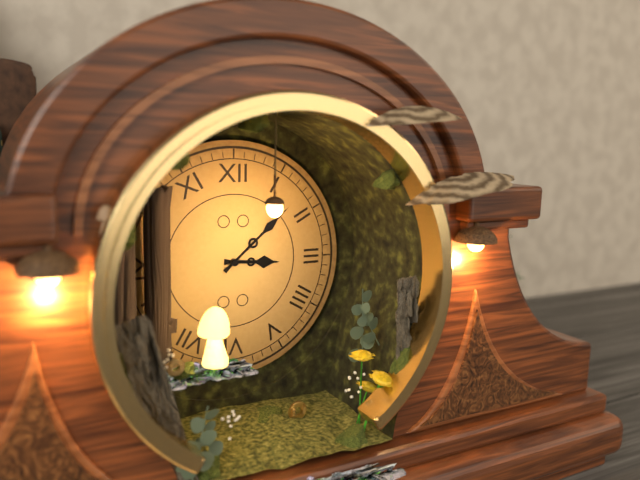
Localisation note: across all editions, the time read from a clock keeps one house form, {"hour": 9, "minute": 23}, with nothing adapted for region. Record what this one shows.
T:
{"hour": 3, "minute": 8}
